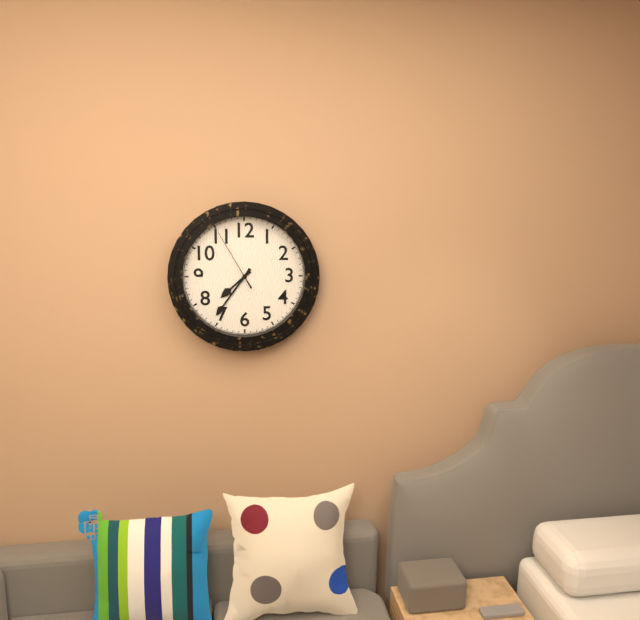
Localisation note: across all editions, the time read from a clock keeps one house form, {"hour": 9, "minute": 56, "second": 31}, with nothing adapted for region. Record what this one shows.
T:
{"hour": 7, "minute": 36, "second": 55}
